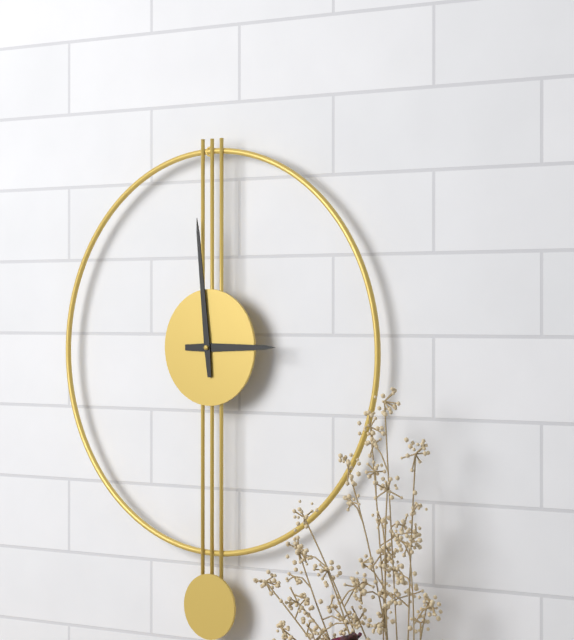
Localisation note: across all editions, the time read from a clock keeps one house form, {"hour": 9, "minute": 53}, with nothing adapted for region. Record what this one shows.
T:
{"hour": 2, "minute": 59}
